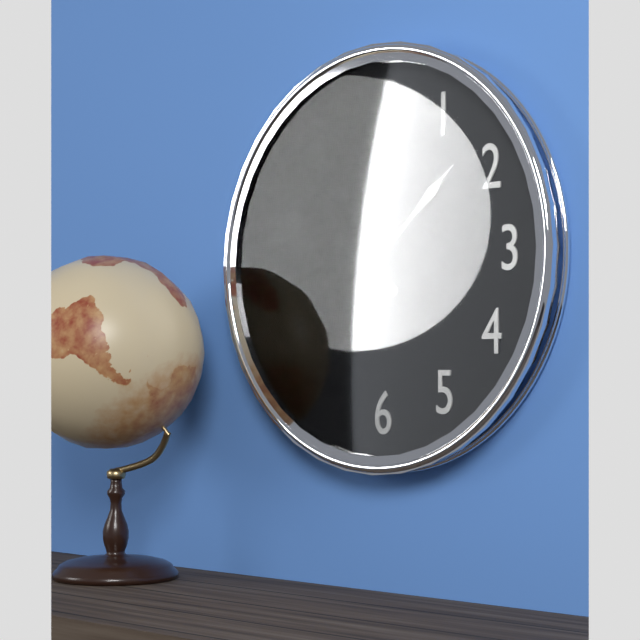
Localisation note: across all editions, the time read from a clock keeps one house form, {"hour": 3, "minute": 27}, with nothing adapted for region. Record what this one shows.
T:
{"hour": 11, "minute": 8}
